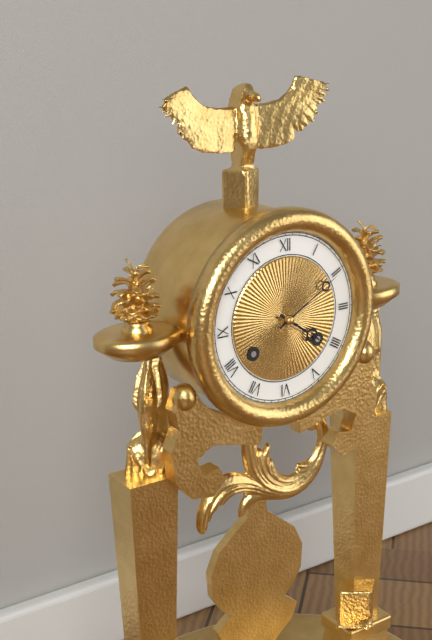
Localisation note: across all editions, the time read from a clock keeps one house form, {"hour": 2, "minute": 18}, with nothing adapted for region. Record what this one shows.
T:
{"hour": 4, "minute": 10}
